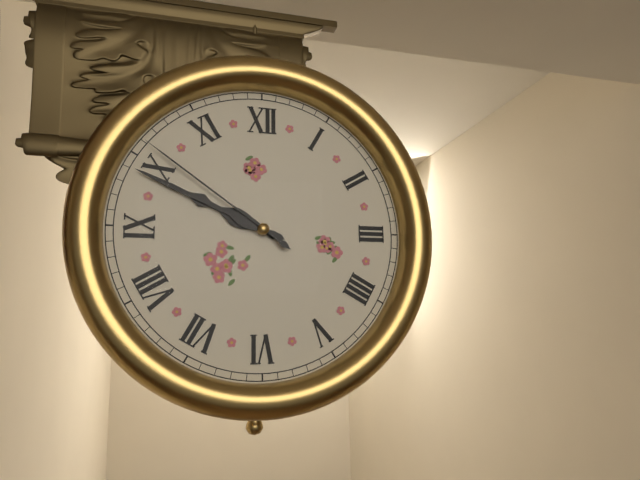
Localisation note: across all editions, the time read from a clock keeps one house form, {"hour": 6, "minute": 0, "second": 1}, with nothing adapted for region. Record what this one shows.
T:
{"hour": 9, "minute": 49, "second": 51}
